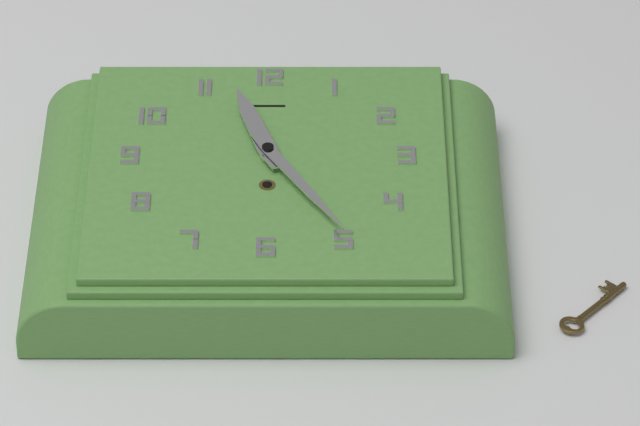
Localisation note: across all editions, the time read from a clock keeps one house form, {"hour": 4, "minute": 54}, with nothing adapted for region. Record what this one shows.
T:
{"hour": 11, "minute": 25}
